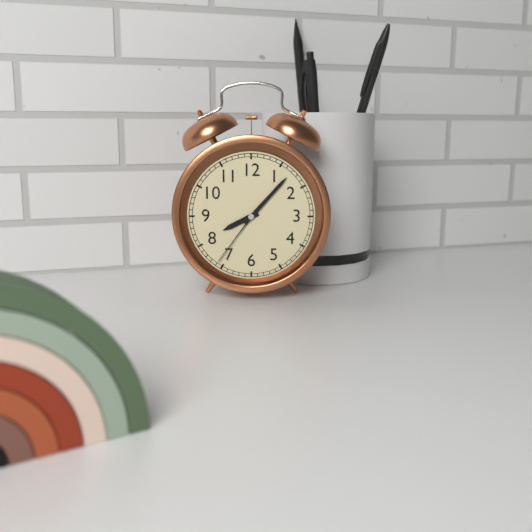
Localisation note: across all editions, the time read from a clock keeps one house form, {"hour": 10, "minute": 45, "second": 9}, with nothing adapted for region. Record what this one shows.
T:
{"hour": 8, "minute": 7, "second": 36}
